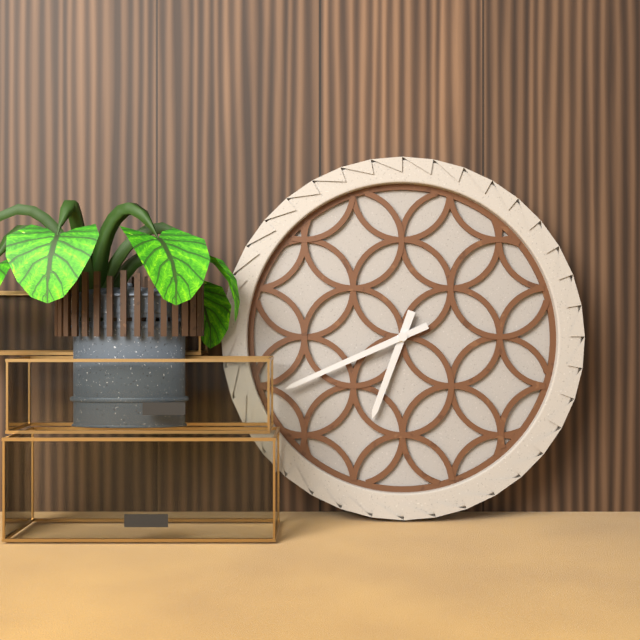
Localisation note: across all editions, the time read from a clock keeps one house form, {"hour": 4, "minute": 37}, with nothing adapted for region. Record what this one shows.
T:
{"hour": 6, "minute": 41}
